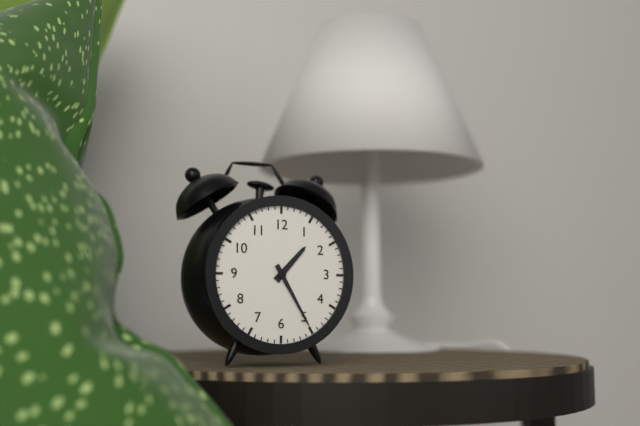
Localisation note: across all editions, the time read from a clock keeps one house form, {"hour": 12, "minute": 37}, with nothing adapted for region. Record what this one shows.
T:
{"hour": 1, "minute": 25}
